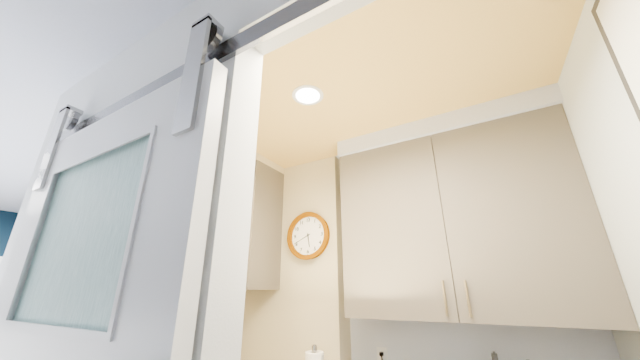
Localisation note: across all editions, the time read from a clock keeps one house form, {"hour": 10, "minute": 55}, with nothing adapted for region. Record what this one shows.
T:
{"hour": 5, "minute": 41}
